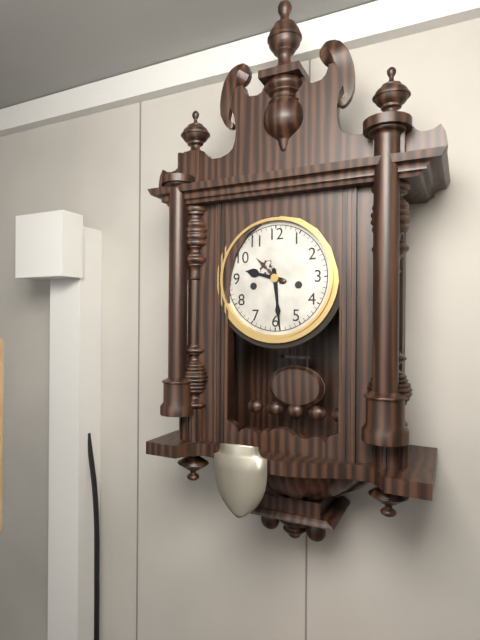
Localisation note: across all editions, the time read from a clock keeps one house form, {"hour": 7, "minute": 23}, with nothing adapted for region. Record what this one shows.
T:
{"hour": 9, "minute": 29}
